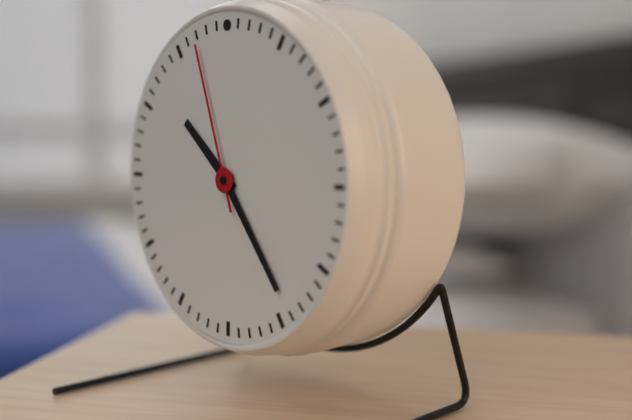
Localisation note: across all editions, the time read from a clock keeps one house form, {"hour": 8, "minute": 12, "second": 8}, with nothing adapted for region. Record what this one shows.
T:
{"hour": 10, "minute": 24, "second": 57}
